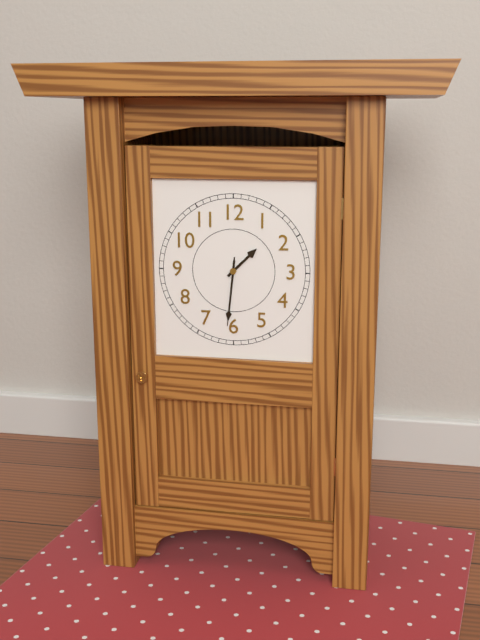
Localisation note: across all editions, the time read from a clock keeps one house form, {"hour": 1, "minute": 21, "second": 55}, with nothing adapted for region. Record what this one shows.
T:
{"hour": 1, "minute": 31, "second": 31}
